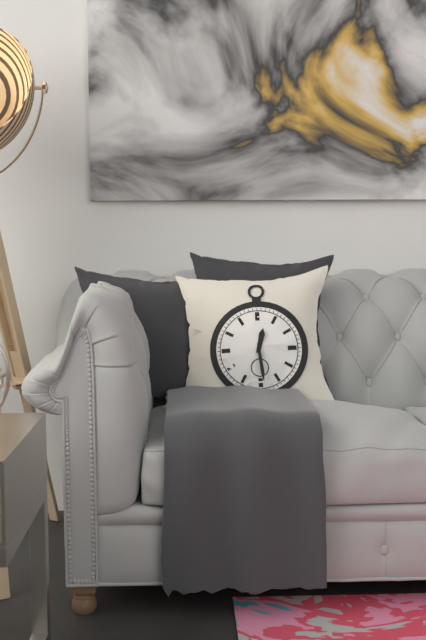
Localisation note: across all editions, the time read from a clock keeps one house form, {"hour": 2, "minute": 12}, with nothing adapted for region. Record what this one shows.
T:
{"hour": 12, "minute": 29}
